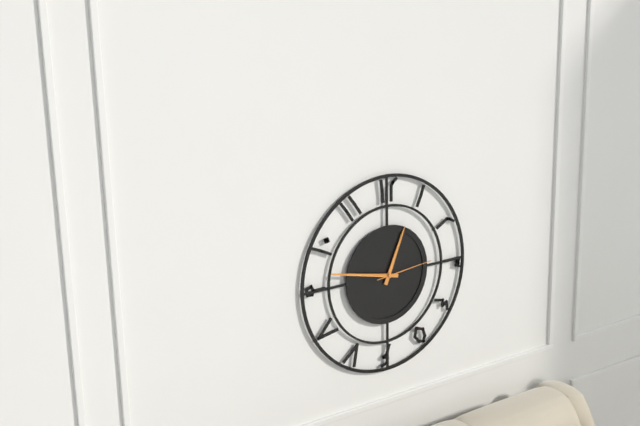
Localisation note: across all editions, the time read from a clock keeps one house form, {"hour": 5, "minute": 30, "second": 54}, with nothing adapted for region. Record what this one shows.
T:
{"hour": 12, "minute": 47, "second": 14}
